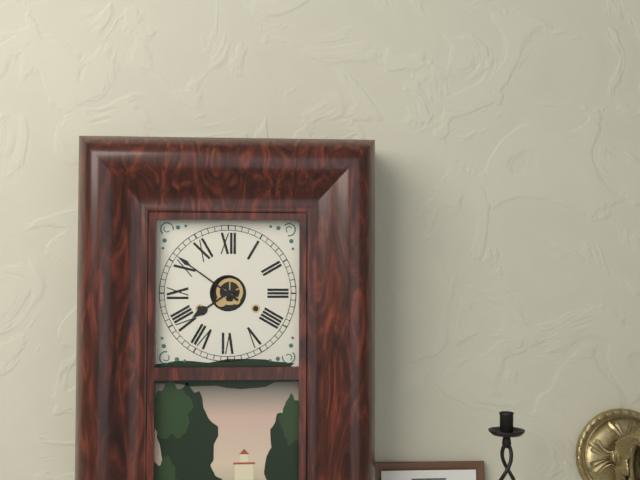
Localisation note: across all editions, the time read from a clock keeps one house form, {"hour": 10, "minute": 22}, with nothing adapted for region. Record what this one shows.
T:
{"hour": 7, "minute": 51}
